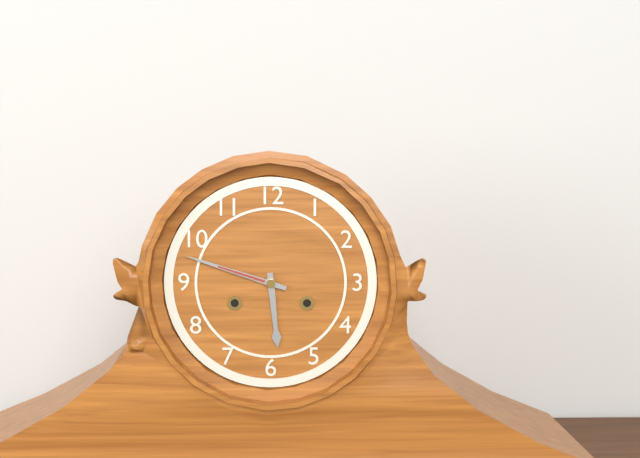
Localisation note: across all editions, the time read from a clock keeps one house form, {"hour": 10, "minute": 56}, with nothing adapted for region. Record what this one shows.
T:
{"hour": 5, "minute": 48}
